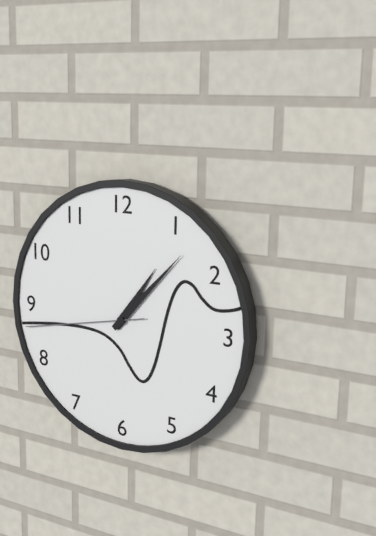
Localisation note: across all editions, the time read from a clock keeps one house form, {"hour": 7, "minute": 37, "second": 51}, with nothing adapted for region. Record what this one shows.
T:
{"hour": 1, "minute": 7, "second": 43}
